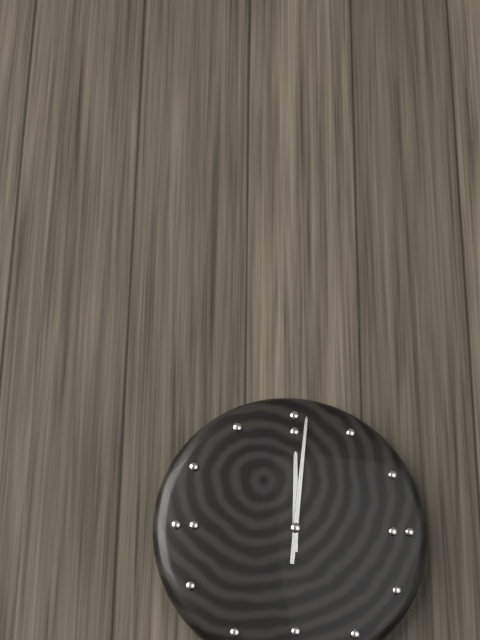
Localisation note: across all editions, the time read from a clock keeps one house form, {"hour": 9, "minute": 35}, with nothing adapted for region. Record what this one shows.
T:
{"hour": 12, "minute": 1}
